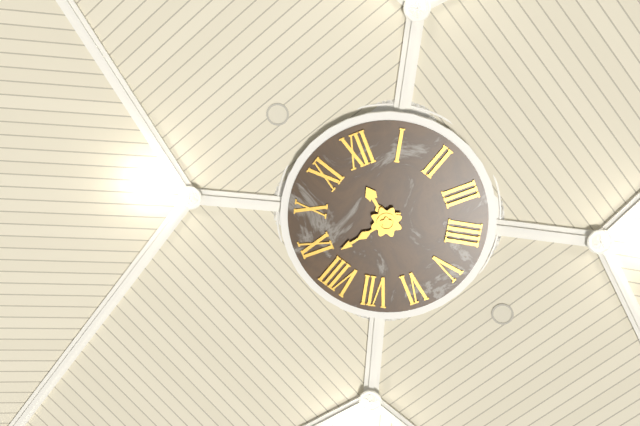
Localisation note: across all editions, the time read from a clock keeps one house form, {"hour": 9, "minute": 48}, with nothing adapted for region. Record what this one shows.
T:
{"hour": 11, "minute": 43}
